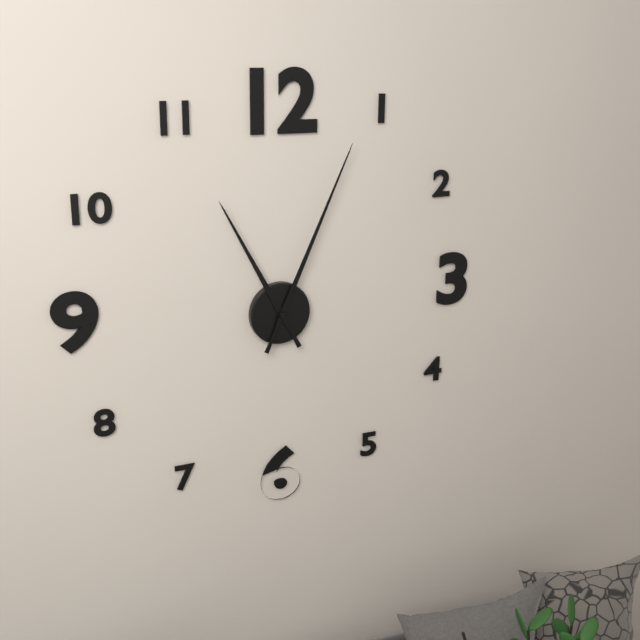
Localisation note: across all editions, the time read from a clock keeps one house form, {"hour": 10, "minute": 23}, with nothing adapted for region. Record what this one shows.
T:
{"hour": 11, "minute": 4}
